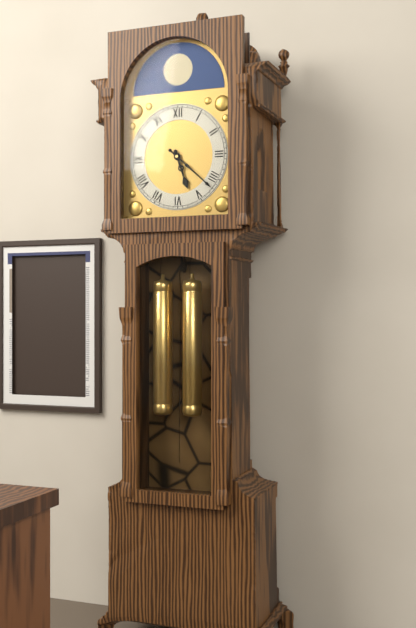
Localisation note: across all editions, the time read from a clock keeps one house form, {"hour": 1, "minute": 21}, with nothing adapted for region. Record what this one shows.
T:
{"hour": 5, "minute": 22}
